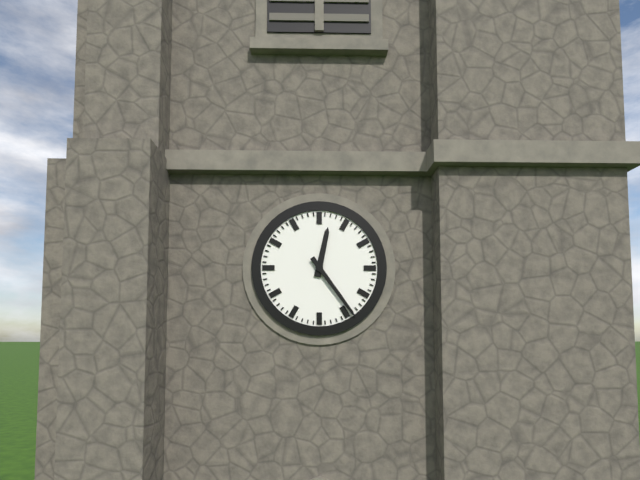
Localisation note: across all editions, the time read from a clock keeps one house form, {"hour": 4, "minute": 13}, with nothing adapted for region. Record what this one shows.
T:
{"hour": 12, "minute": 24}
